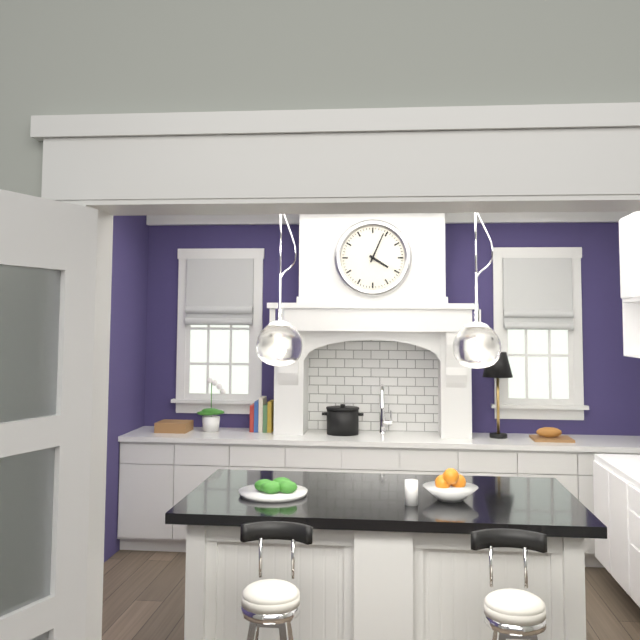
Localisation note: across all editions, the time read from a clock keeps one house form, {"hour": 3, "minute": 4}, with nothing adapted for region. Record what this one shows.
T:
{"hour": 4, "minute": 4}
